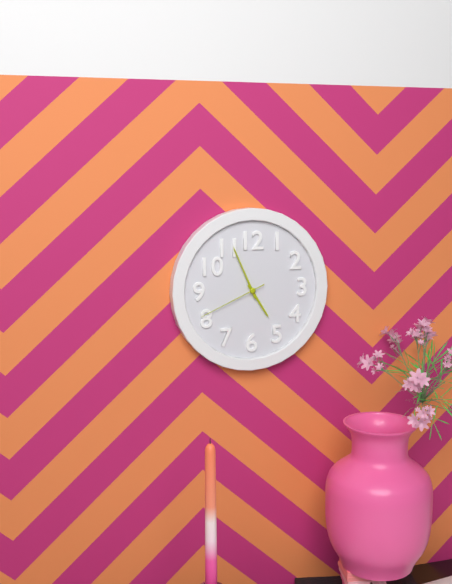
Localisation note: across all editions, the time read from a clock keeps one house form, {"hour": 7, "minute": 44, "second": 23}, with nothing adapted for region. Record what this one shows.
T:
{"hour": 4, "minute": 56, "second": 41}
